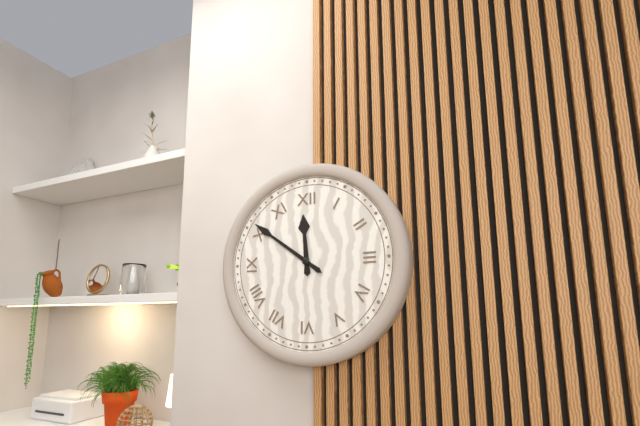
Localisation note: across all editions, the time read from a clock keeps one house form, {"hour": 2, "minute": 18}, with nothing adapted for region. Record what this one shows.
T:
{"hour": 11, "minute": 51}
